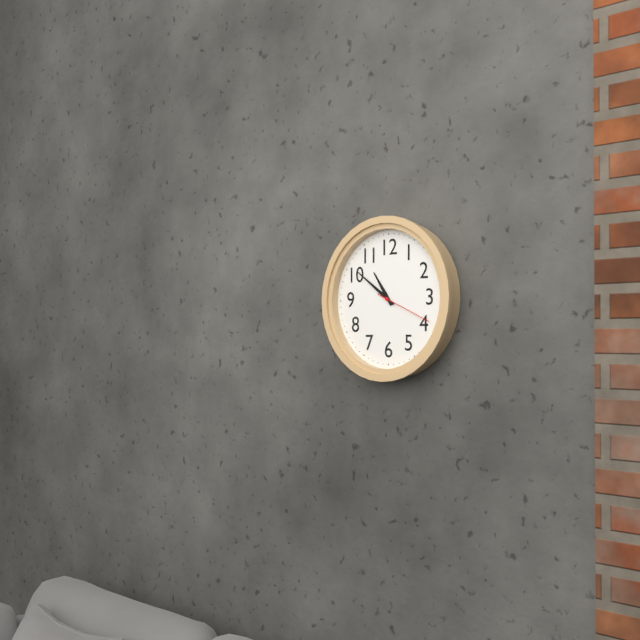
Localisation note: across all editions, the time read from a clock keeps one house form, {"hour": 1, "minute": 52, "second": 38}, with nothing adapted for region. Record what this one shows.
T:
{"hour": 10, "minute": 51, "second": 19}
